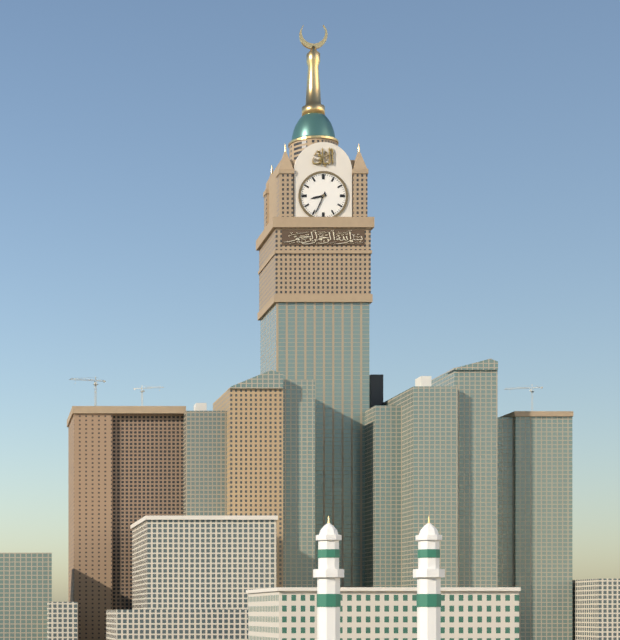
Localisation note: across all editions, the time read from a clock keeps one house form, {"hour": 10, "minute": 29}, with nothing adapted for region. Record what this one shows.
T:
{"hour": 8, "minute": 34}
